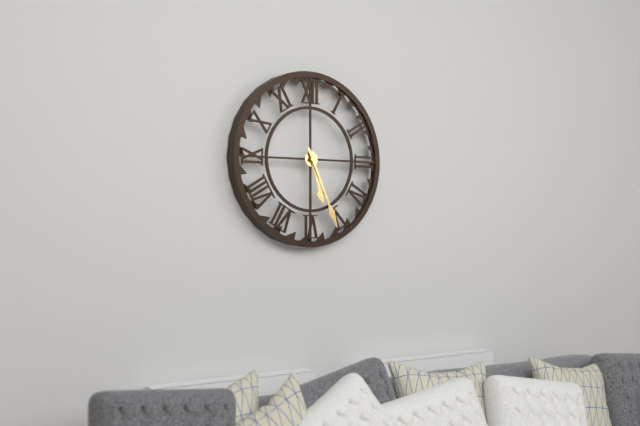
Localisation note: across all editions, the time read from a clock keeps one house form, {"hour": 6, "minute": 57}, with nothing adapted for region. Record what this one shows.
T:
{"hour": 5, "minute": 26}
